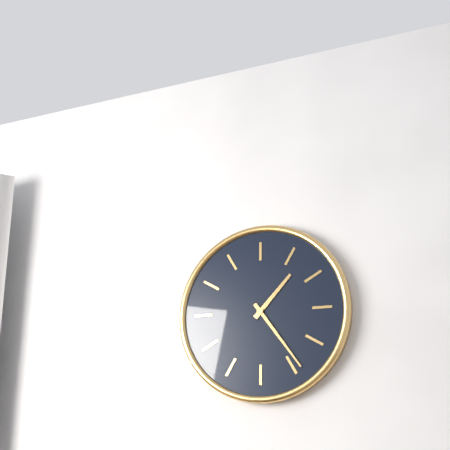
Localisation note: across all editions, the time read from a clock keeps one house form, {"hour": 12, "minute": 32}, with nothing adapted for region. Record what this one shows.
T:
{"hour": 1, "minute": 24}
